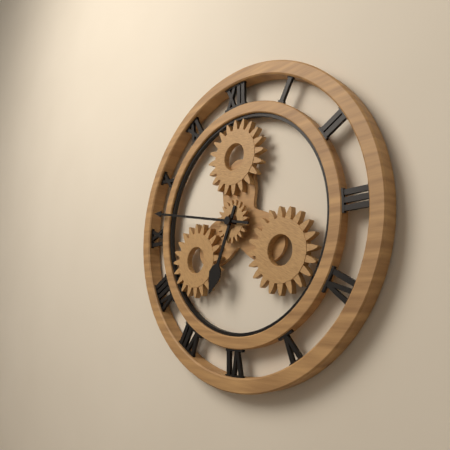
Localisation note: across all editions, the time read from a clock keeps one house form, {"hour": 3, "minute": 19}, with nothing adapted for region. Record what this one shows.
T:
{"hour": 6, "minute": 47}
